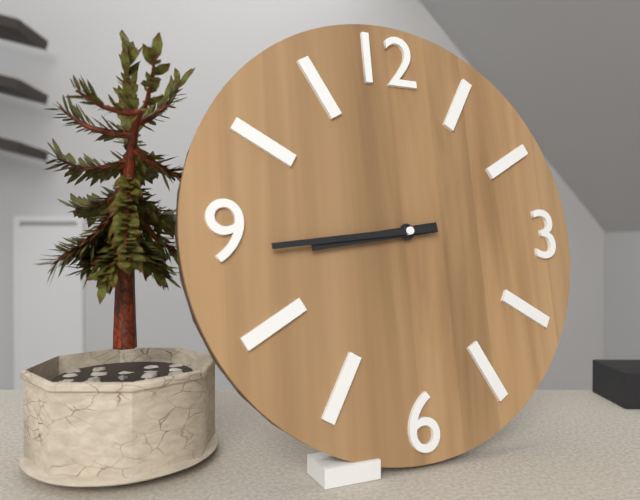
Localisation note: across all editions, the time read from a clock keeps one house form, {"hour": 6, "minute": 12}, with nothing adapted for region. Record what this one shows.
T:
{"hour": 8, "minute": 44}
